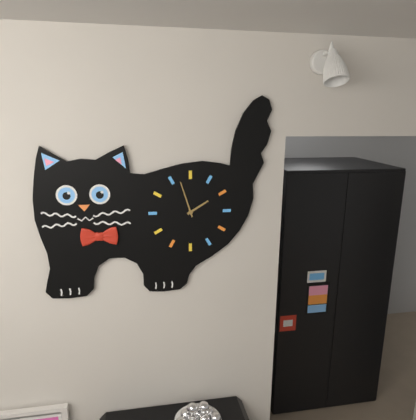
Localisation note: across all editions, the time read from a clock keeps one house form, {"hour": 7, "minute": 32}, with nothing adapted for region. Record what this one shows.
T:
{"hour": 1, "minute": 57}
